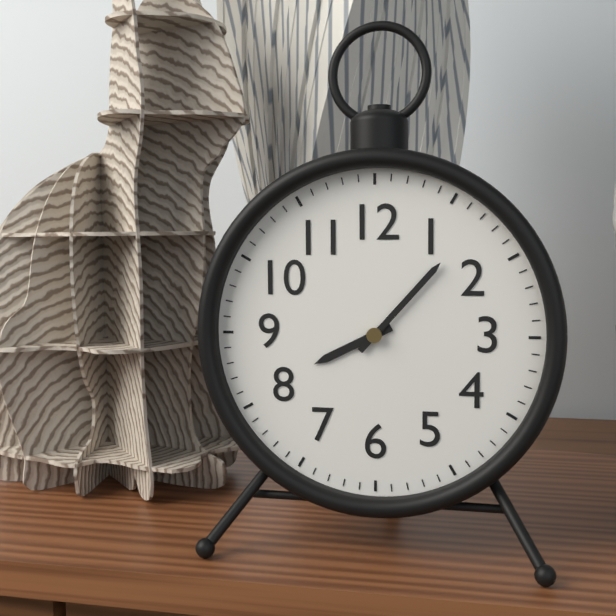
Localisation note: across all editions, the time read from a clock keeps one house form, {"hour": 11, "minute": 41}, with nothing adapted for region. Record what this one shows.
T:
{"hour": 8, "minute": 7}
